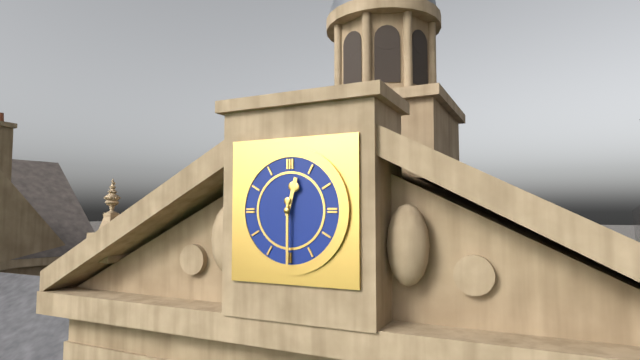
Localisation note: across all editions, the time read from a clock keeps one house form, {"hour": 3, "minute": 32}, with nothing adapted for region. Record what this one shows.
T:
{"hour": 12, "minute": 30}
